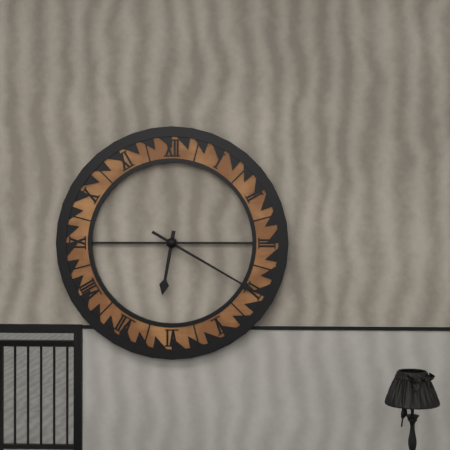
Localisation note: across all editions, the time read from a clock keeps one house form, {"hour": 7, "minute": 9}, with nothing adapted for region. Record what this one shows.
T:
{"hour": 6, "minute": 20}
